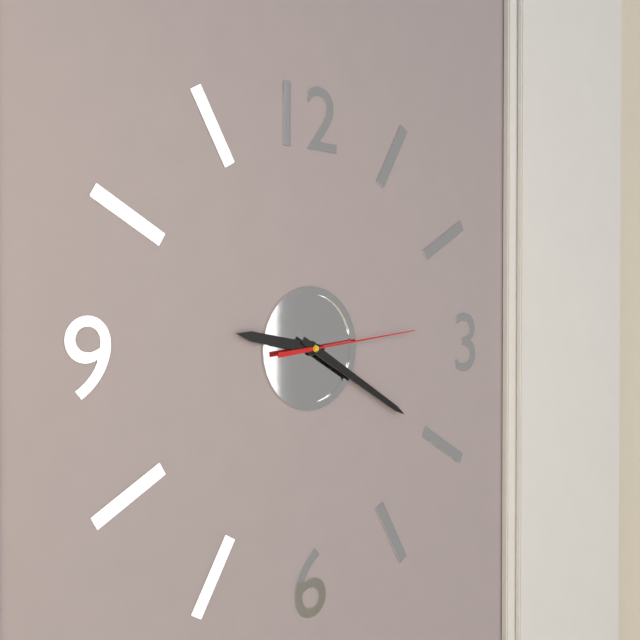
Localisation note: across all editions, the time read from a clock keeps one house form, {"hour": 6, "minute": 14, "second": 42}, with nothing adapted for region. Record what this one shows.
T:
{"hour": 9, "minute": 20, "second": 14}
